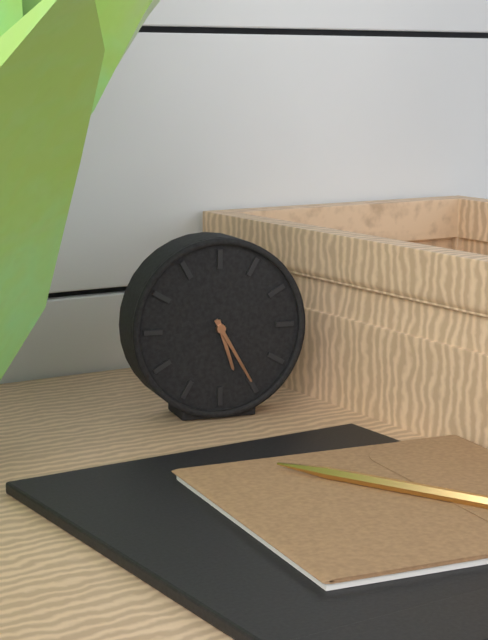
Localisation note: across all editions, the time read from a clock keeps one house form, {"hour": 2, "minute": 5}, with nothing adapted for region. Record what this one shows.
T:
{"hour": 5, "minute": 25}
